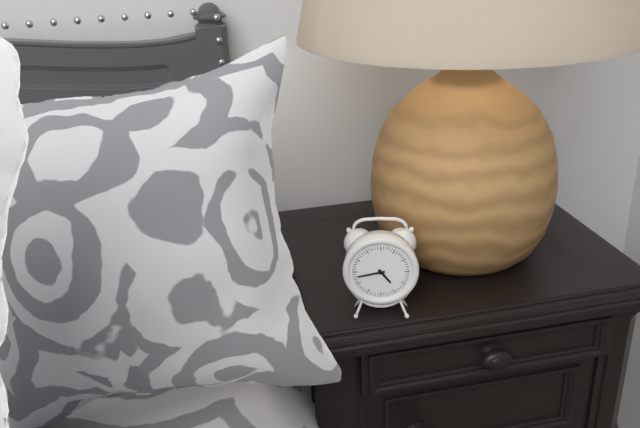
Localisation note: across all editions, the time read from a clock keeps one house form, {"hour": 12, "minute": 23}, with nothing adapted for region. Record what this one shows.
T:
{"hour": 4, "minute": 43}
